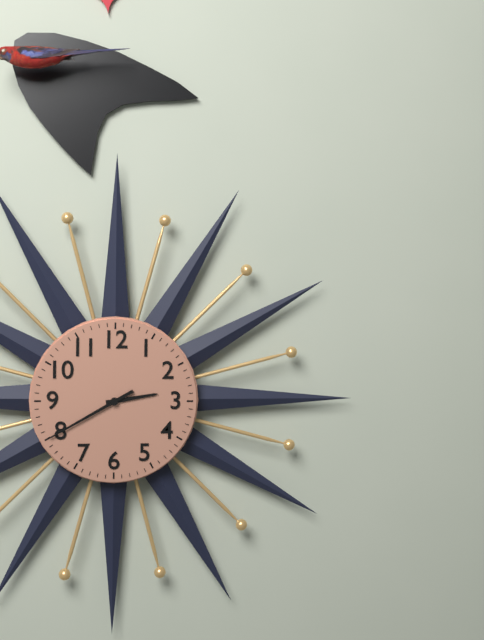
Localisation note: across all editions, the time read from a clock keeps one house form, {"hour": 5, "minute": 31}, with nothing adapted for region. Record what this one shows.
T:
{"hour": 2, "minute": 40}
